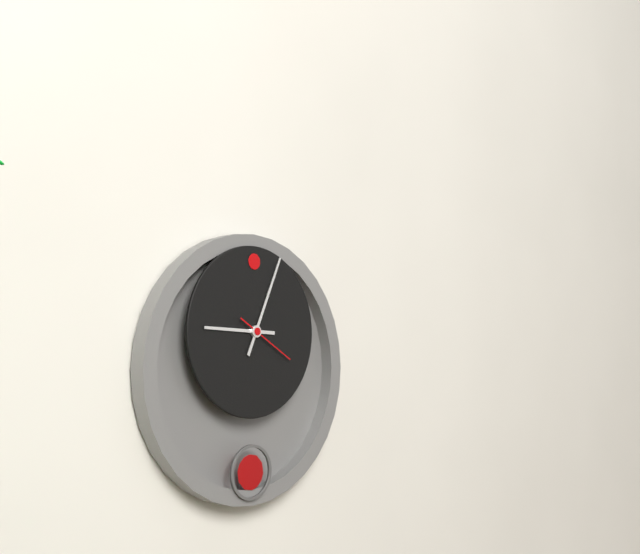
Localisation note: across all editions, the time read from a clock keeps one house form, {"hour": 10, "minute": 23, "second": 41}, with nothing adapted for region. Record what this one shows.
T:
{"hour": 9, "minute": 4, "second": 20}
